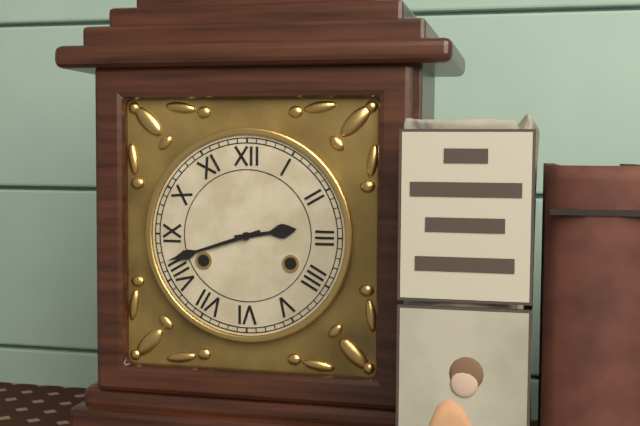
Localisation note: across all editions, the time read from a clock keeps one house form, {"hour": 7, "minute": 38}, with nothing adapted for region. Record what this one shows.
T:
{"hour": 2, "minute": 42}
